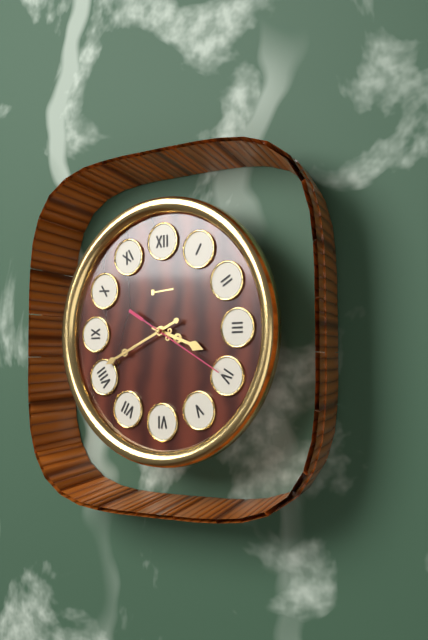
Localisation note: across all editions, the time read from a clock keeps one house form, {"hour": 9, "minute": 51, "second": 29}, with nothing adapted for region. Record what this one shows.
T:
{"hour": 3, "minute": 41, "second": 20}
